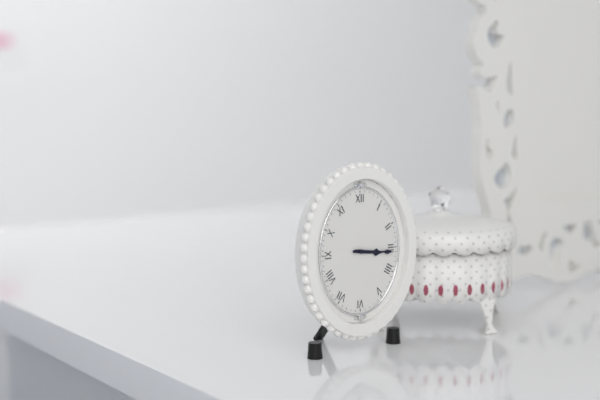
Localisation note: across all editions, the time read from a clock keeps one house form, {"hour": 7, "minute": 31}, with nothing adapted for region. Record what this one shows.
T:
{"hour": 3, "minute": 16}
